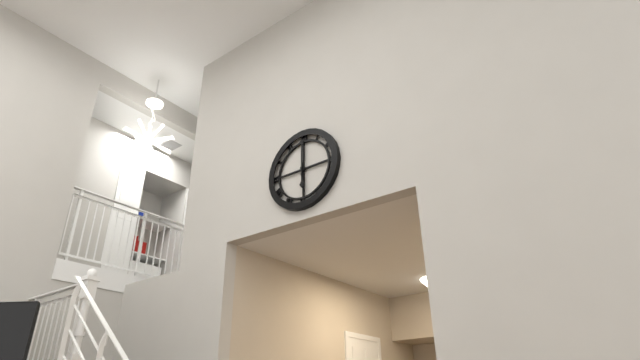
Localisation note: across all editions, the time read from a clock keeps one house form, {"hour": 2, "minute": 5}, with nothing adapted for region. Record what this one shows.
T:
{"hour": 6, "minute": 0}
